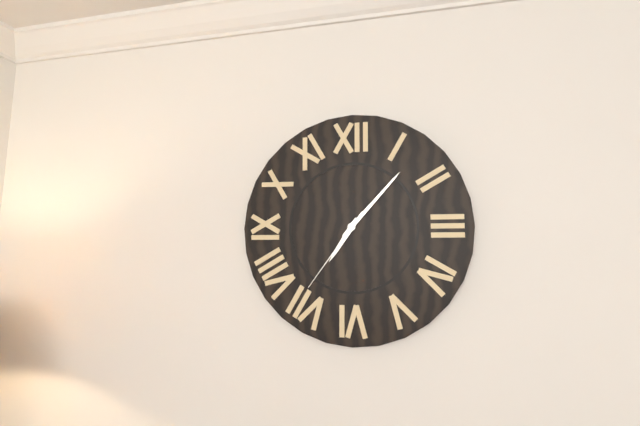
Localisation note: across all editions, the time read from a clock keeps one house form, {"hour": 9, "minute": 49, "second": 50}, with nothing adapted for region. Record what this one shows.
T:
{"hour": 7, "minute": 7, "second": 36}
